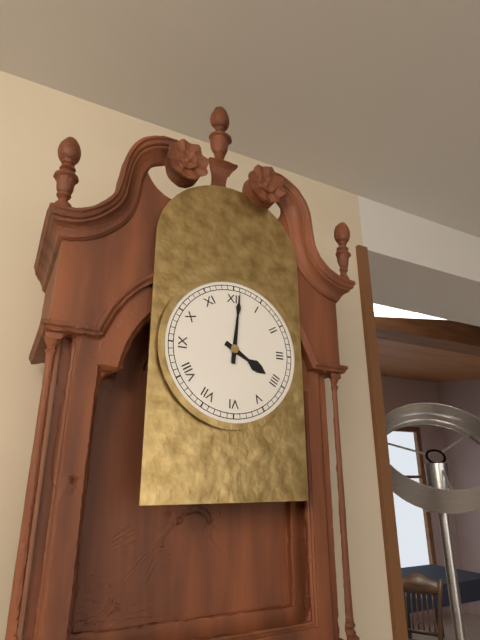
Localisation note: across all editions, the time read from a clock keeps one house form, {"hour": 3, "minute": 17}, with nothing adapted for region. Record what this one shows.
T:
{"hour": 4, "minute": 1}
